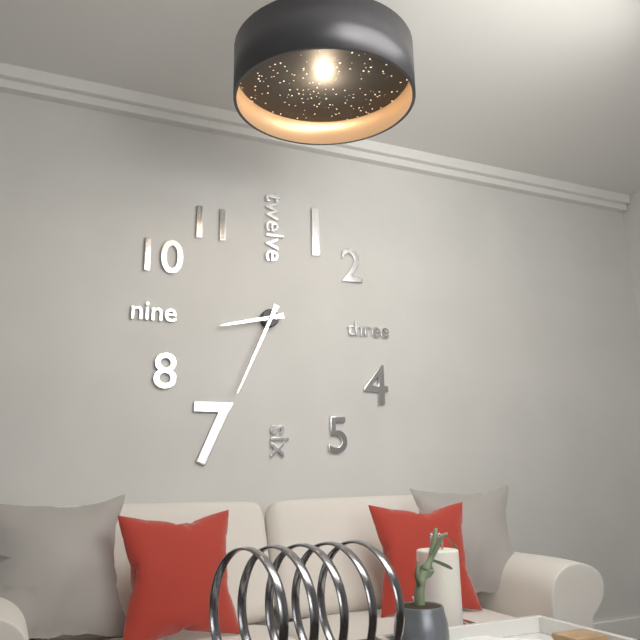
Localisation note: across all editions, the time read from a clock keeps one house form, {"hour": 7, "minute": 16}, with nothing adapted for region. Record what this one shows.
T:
{"hour": 8, "minute": 34}
